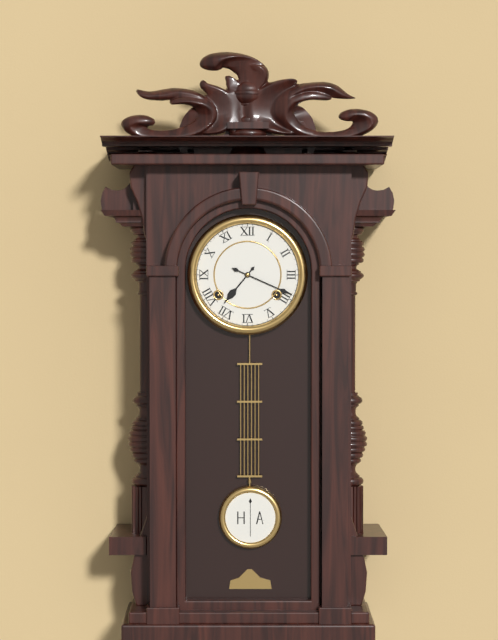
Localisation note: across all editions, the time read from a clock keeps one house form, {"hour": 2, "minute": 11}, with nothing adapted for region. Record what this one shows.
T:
{"hour": 7, "minute": 19}
